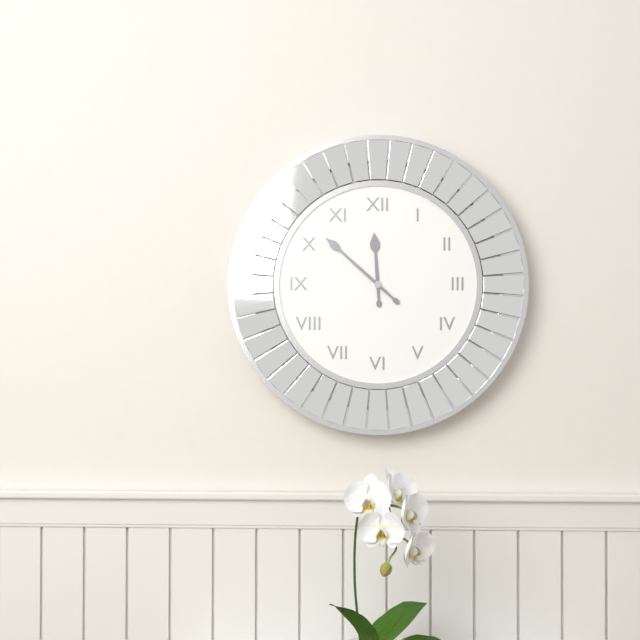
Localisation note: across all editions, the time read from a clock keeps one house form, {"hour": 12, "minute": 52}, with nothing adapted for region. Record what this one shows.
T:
{"hour": 11, "minute": 52}
